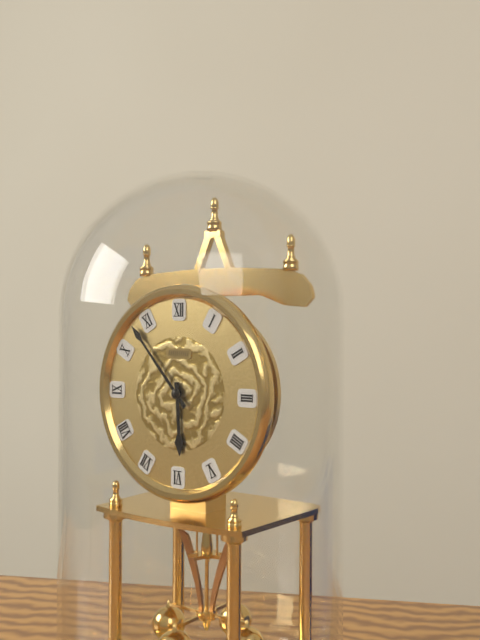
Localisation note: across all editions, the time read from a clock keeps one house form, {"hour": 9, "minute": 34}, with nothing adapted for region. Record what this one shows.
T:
{"hour": 5, "minute": 53}
